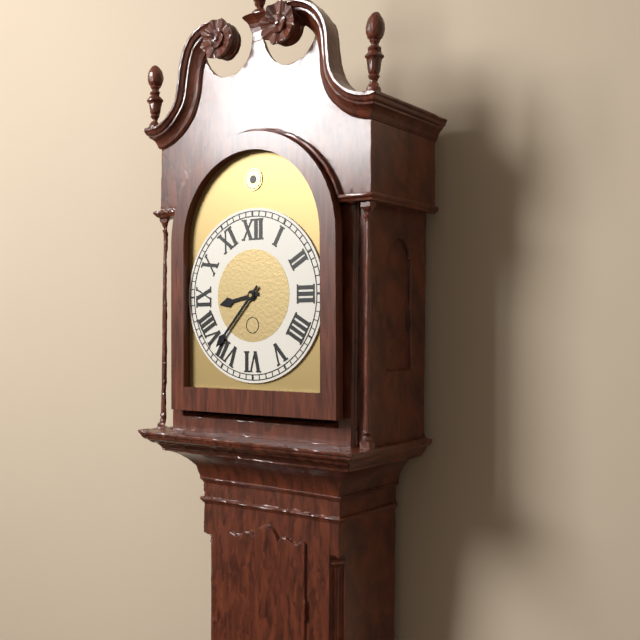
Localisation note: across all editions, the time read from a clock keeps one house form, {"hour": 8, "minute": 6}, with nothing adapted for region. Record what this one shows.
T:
{"hour": 8, "minute": 37}
